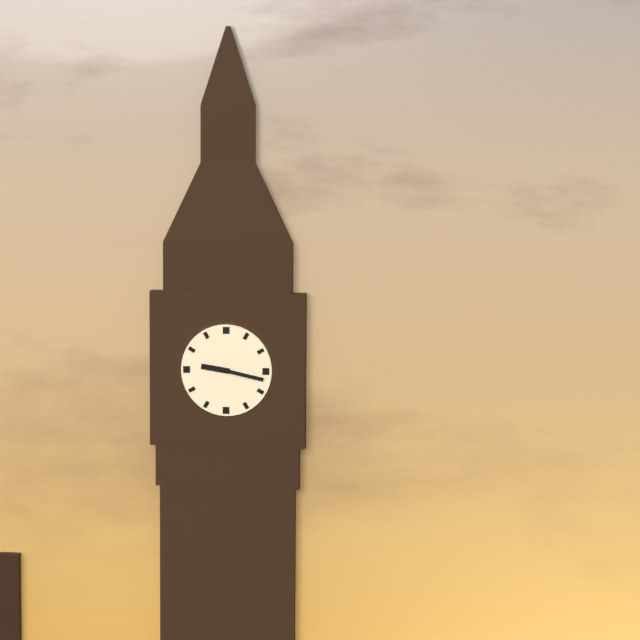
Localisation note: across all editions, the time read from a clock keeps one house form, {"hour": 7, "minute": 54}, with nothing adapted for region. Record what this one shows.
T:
{"hour": 9, "minute": 17}
